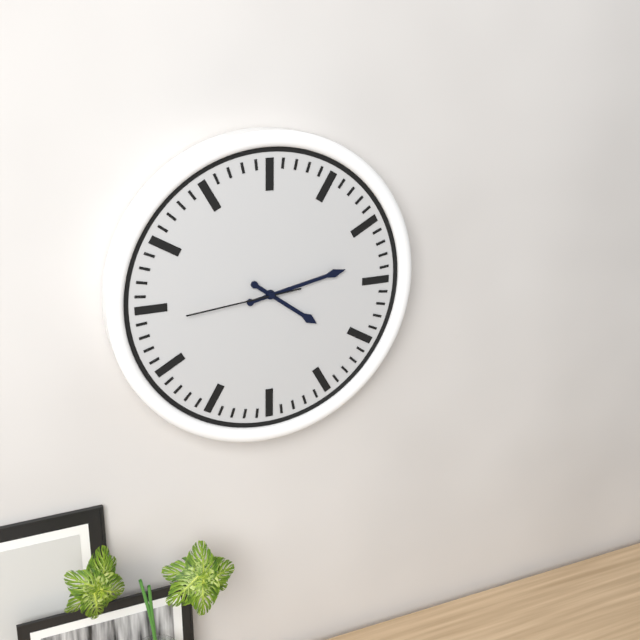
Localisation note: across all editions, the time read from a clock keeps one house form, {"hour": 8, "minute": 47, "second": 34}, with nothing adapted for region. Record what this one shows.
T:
{"hour": 4, "minute": 13, "second": 44}
